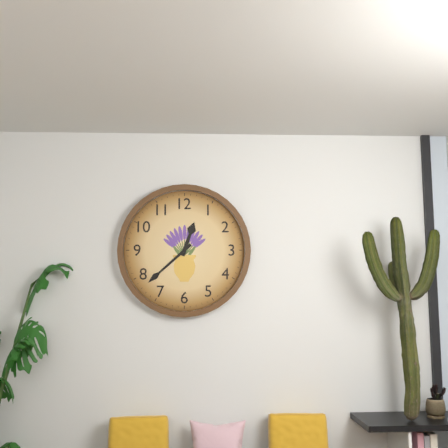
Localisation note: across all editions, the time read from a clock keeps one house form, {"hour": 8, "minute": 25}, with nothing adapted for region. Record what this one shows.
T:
{"hour": 12, "minute": 38}
